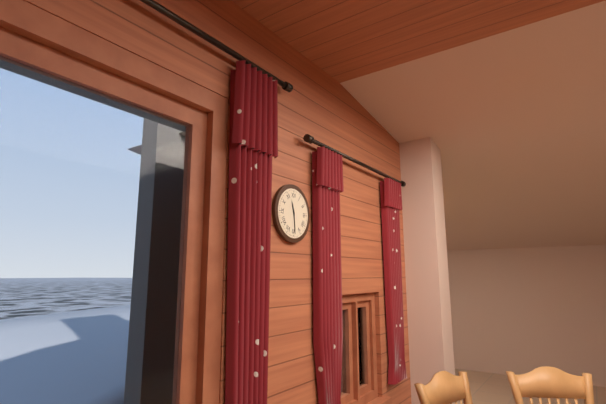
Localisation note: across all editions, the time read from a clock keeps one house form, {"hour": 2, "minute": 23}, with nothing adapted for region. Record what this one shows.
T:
{"hour": 11, "minute": 29}
